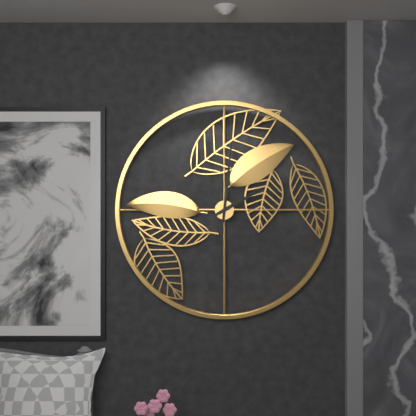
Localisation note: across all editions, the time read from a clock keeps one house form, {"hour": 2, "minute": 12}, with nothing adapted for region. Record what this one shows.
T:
{"hour": 2, "minute": 1}
